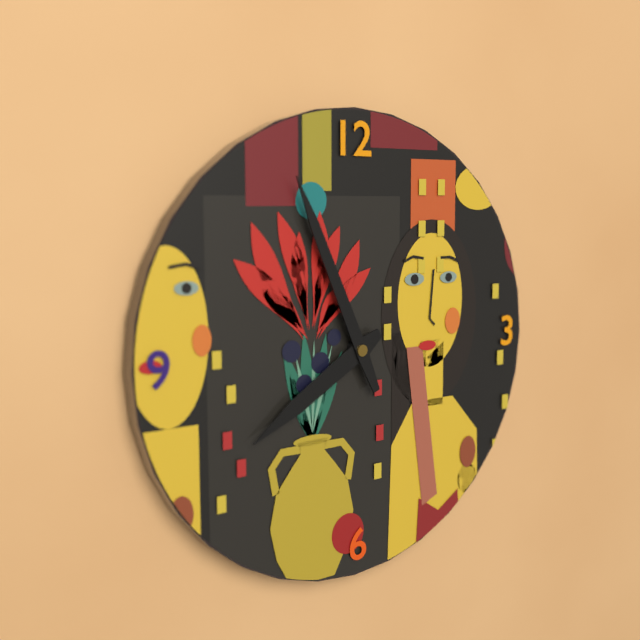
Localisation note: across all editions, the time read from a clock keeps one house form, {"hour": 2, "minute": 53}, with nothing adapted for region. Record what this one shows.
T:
{"hour": 7, "minute": 56}
